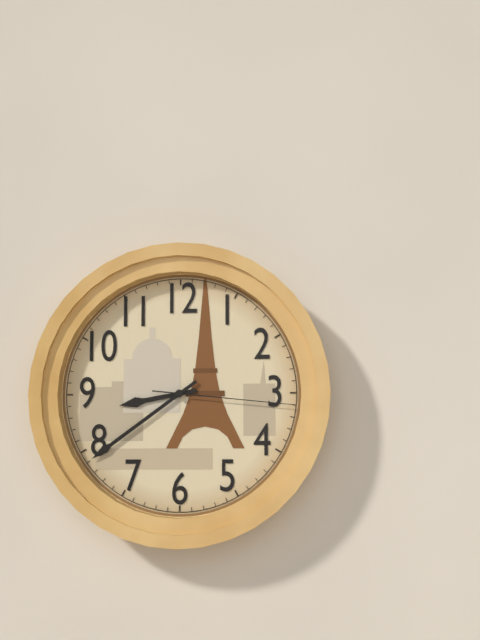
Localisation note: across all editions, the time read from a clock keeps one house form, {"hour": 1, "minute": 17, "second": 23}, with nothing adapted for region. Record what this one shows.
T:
{"hour": 8, "minute": 39, "second": 16}
